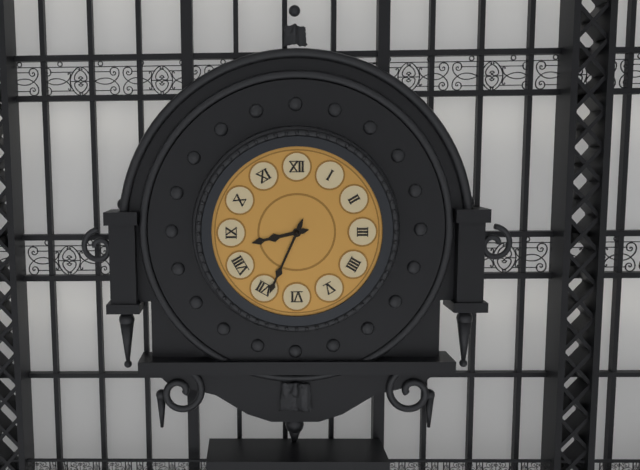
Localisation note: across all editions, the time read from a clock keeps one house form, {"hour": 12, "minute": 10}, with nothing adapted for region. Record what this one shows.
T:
{"hour": 8, "minute": 34}
